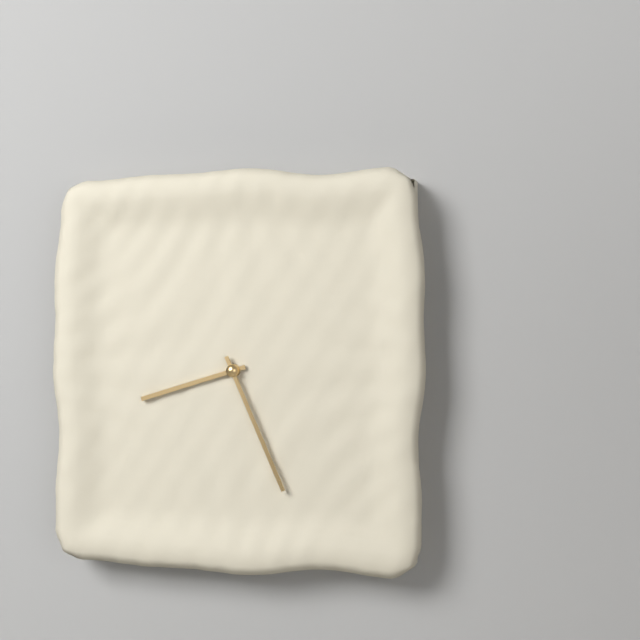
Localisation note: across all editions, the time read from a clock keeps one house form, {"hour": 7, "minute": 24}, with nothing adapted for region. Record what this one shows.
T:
{"hour": 8, "minute": 26}
